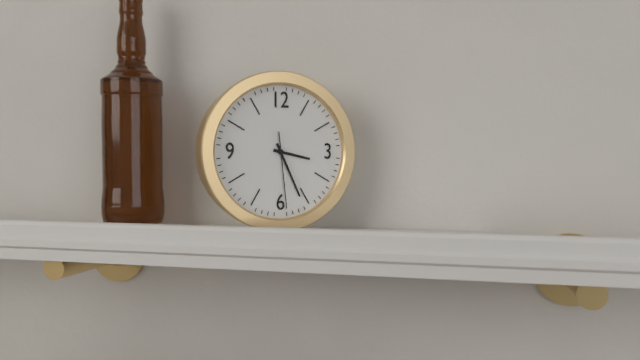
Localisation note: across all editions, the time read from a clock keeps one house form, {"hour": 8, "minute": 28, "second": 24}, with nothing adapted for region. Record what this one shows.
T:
{"hour": 3, "minute": 26, "second": 29}
